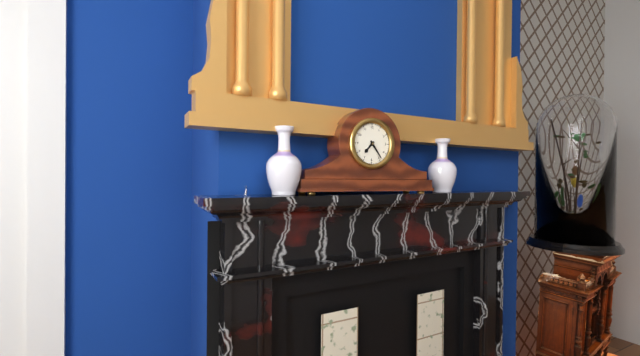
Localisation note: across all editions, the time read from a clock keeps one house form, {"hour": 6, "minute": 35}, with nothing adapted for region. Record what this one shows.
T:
{"hour": 7, "minute": 24}
